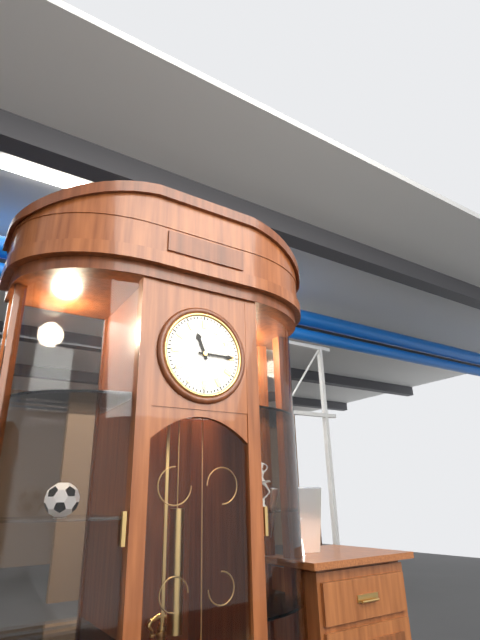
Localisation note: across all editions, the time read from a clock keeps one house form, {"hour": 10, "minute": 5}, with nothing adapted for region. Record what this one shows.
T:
{"hour": 11, "minute": 15}
